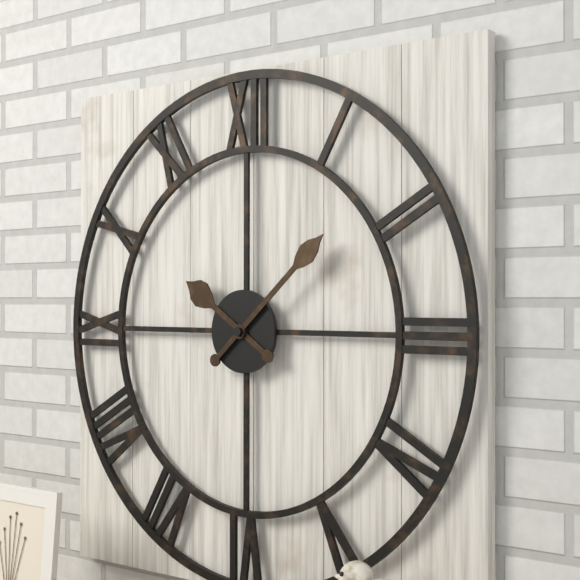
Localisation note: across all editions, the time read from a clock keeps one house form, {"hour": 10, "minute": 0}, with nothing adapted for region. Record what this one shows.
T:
{"hour": 10, "minute": 8}
